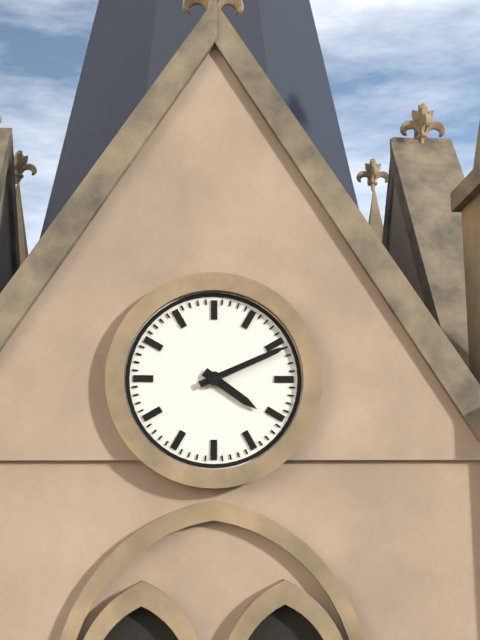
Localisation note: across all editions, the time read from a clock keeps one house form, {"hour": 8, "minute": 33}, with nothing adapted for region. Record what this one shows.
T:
{"hour": 4, "minute": 11}
